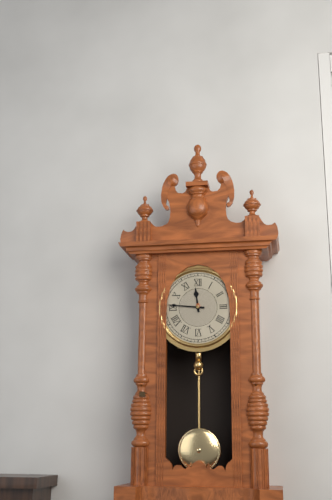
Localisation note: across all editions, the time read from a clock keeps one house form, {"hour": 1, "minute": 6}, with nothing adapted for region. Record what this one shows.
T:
{"hour": 11, "minute": 46}
